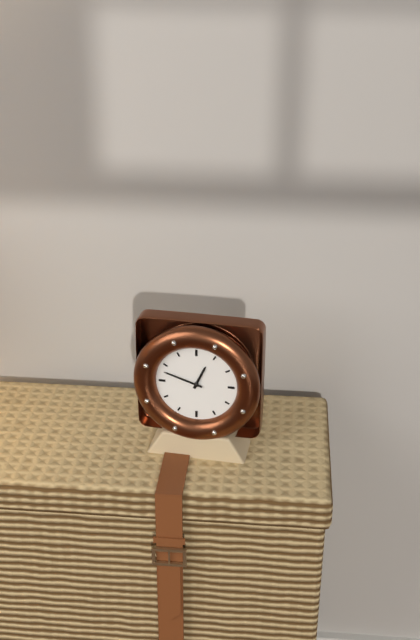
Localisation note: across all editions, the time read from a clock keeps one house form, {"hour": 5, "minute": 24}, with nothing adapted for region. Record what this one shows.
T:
{"hour": 12, "minute": 48}
